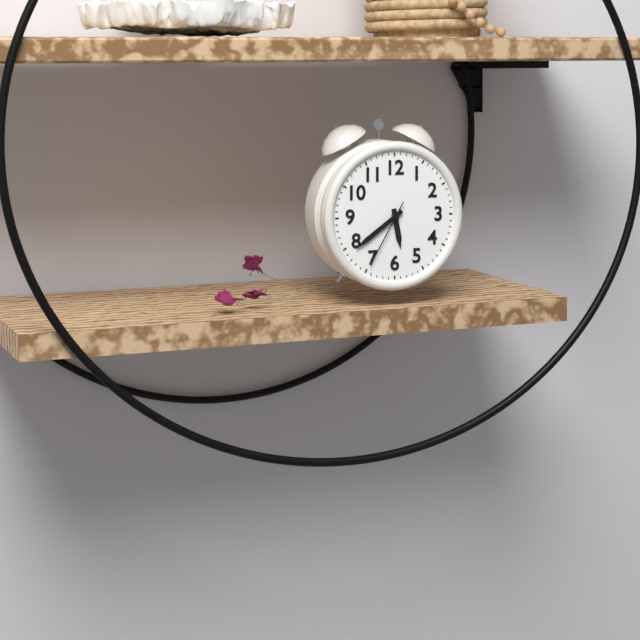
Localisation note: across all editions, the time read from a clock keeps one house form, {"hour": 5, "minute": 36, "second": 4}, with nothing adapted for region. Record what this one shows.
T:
{"hour": 5, "minute": 39, "second": 35}
